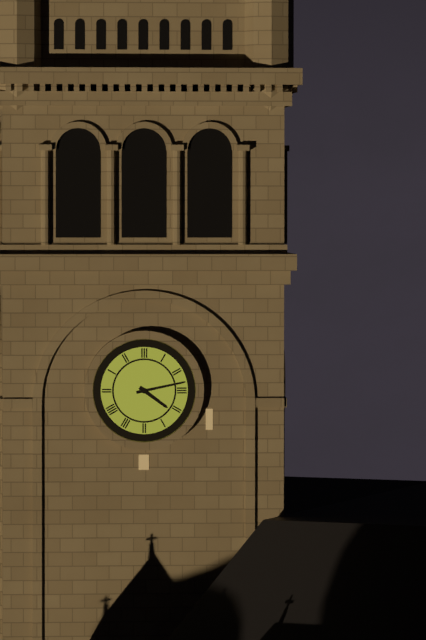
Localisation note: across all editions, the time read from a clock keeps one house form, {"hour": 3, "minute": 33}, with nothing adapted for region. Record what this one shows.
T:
{"hour": 4, "minute": 13}
